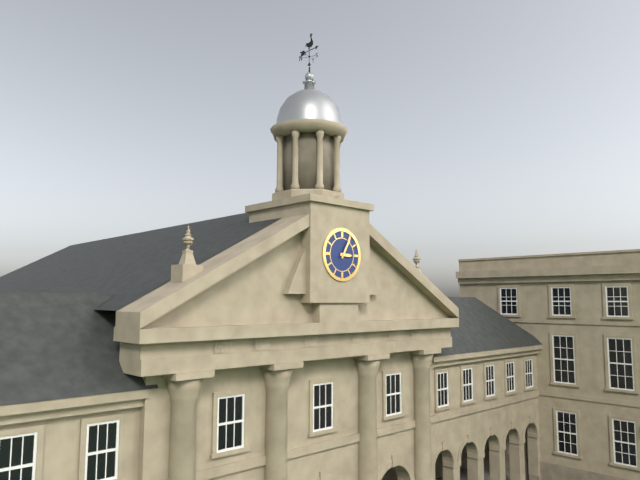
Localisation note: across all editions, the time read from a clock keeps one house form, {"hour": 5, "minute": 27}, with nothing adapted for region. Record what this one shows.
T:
{"hour": 3, "minute": 5}
